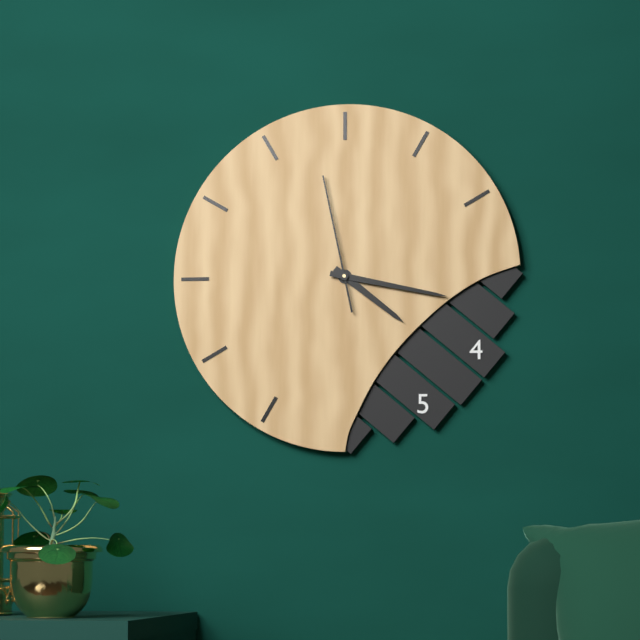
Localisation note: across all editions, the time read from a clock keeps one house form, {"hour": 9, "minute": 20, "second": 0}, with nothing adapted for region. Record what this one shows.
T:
{"hour": 4, "minute": 17, "second": 58}
